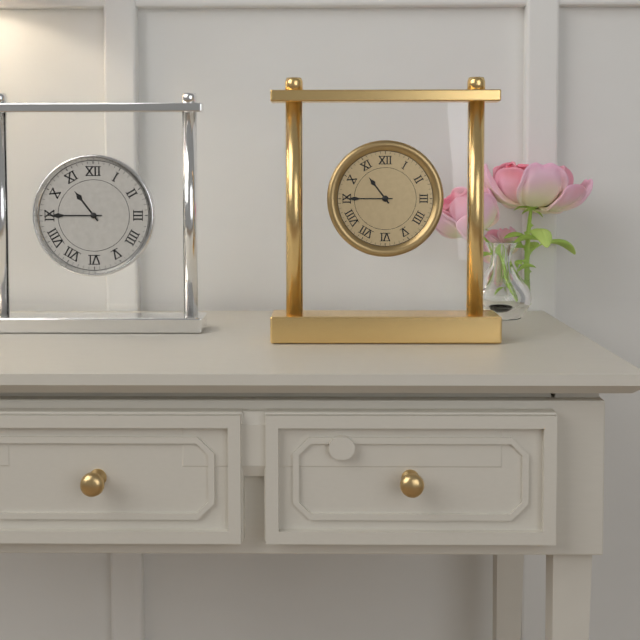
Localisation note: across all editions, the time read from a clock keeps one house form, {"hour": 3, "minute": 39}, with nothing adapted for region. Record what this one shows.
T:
{"hour": 10, "minute": 45}
